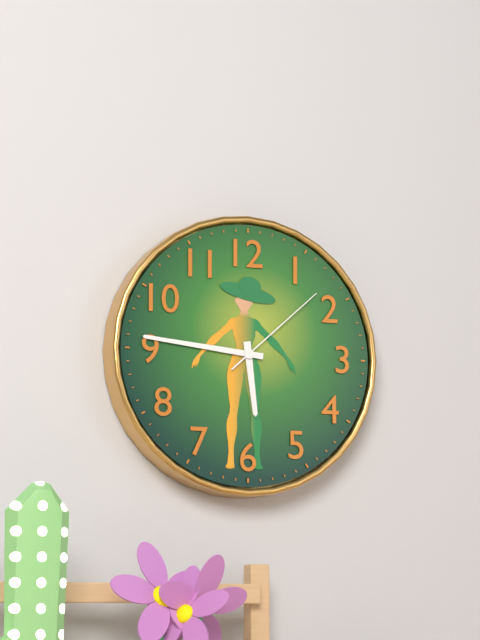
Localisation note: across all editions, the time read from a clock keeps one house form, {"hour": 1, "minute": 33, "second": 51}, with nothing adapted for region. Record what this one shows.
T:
{"hour": 5, "minute": 46, "second": 8}
